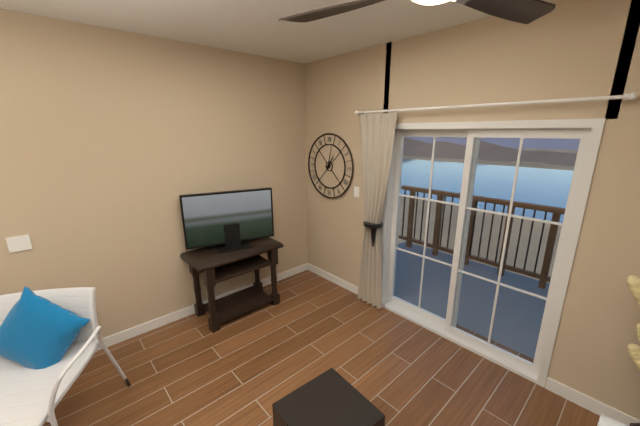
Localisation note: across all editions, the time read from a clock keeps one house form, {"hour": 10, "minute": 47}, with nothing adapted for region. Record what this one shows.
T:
{"hour": 1, "minute": 2}
